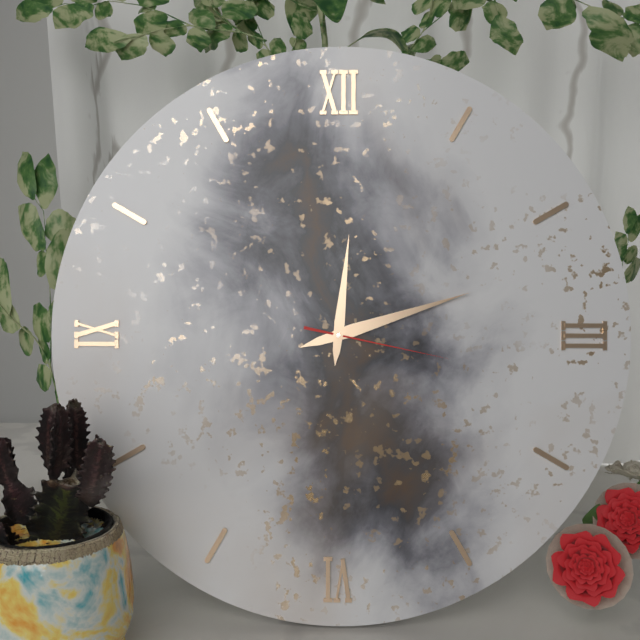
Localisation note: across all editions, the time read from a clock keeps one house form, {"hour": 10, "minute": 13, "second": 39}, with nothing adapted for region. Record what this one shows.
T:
{"hour": 12, "minute": 12, "second": 17}
